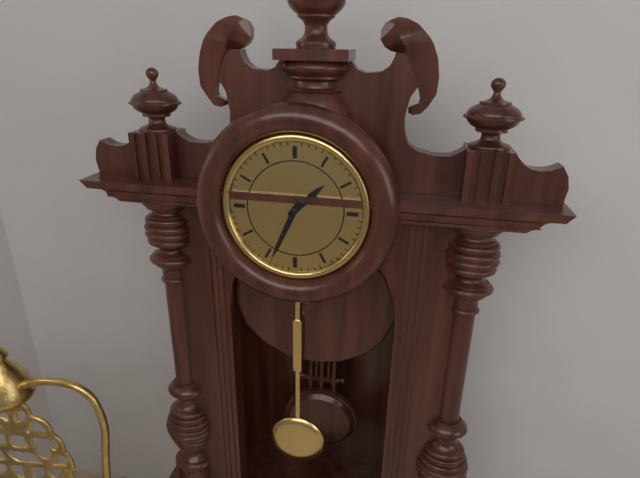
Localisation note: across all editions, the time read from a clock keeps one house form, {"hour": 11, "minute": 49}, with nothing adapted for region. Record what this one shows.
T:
{"hour": 1, "minute": 34}
